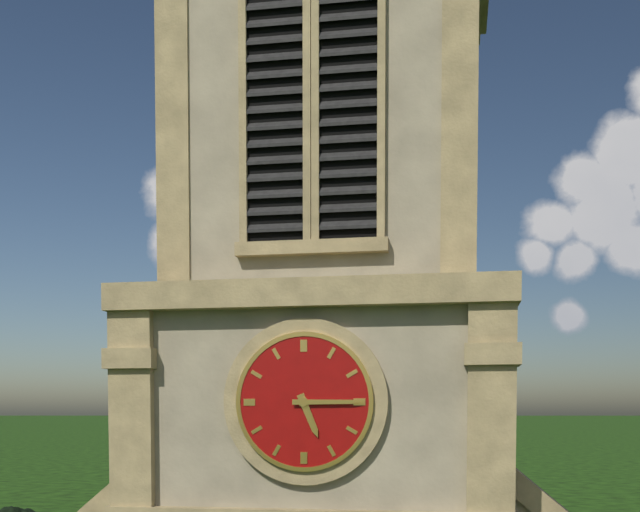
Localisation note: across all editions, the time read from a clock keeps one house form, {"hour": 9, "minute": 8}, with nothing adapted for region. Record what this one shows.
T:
{"hour": 5, "minute": 15}
